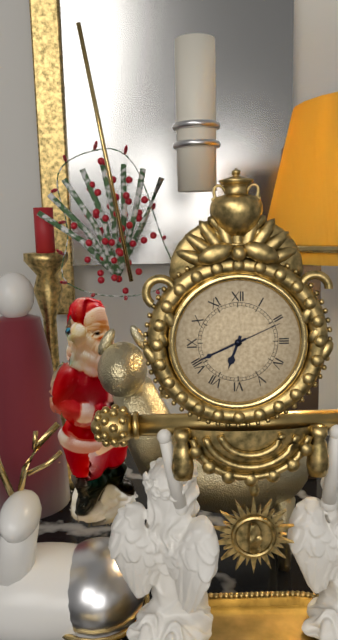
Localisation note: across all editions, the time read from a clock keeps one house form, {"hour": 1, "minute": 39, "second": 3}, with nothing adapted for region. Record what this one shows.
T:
{"hour": 6, "minute": 41, "second": 11}
